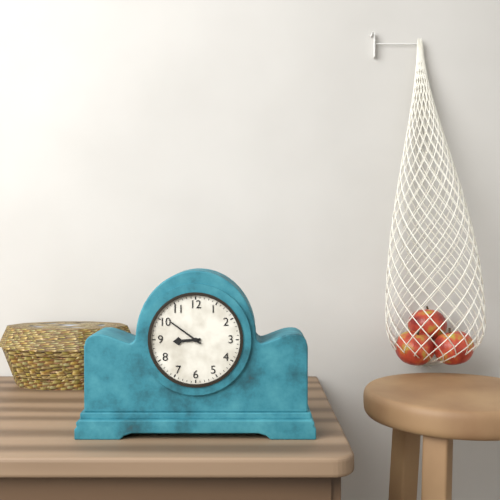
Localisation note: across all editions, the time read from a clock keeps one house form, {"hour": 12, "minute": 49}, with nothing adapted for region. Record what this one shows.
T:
{"hour": 8, "minute": 51}
